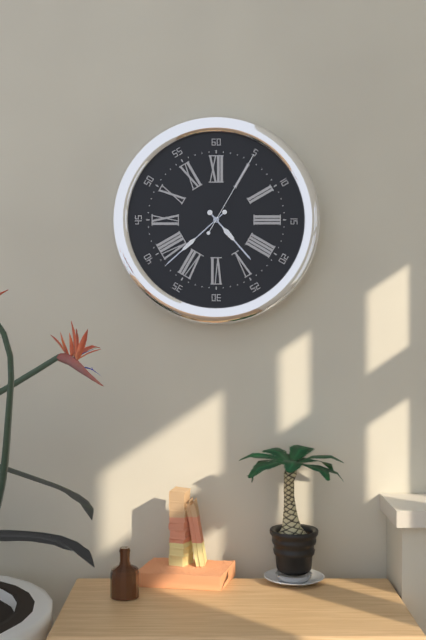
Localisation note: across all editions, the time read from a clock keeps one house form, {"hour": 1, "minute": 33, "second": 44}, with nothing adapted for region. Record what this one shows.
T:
{"hour": 4, "minute": 38, "second": 5}
